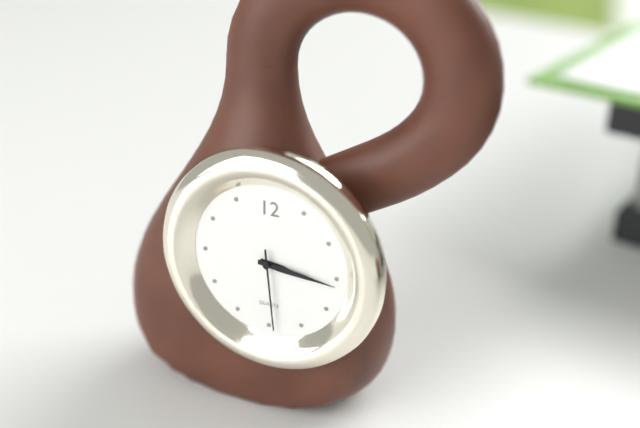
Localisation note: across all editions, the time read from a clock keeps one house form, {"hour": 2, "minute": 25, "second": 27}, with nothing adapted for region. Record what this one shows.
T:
{"hour": 3, "minute": 16, "second": 29}
